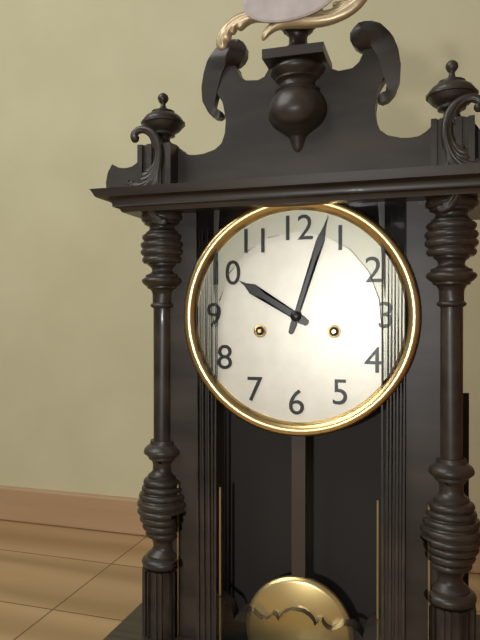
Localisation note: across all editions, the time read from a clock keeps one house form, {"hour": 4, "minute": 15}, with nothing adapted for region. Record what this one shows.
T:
{"hour": 10, "minute": 3}
